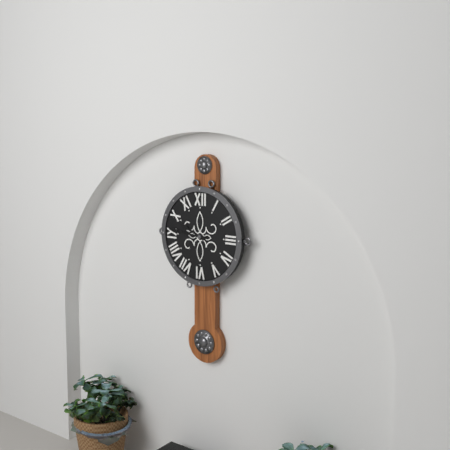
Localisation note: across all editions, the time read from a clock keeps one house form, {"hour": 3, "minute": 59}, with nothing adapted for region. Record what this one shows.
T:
{"hour": 9, "minute": 46}
